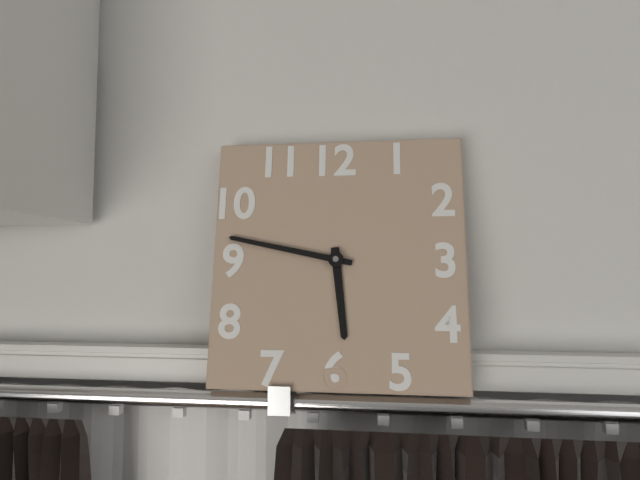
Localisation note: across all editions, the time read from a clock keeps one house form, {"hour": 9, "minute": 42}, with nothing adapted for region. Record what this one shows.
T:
{"hour": 5, "minute": 47}
